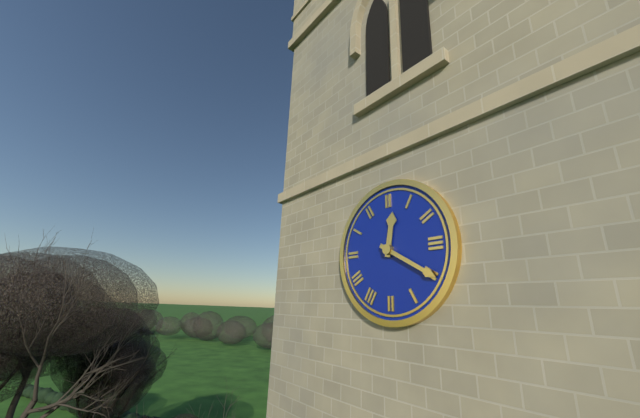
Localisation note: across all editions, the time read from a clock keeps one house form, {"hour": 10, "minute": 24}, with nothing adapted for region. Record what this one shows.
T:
{"hour": 12, "minute": 20}
